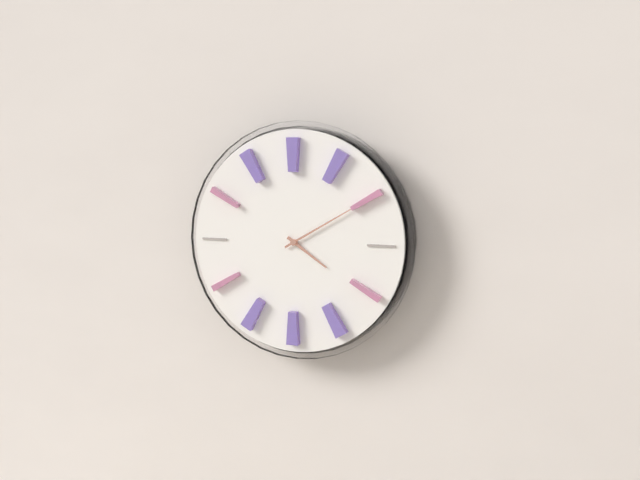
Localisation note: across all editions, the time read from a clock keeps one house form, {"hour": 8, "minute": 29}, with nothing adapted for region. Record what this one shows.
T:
{"hour": 4, "minute": 10}
